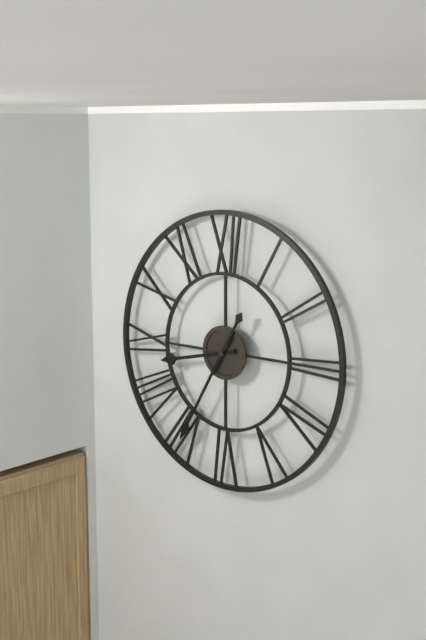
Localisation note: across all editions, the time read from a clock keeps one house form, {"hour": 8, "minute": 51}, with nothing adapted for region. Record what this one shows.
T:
{"hour": 8, "minute": 35}
